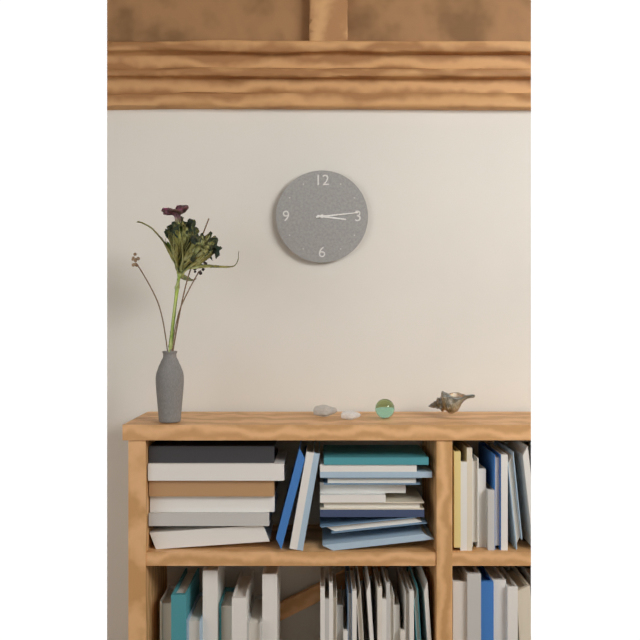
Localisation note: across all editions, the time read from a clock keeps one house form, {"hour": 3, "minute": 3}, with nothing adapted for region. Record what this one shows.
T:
{"hour": 3, "minute": 14}
